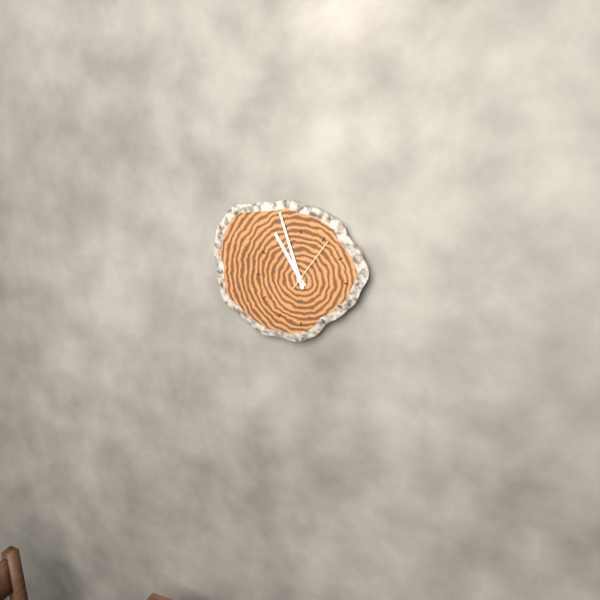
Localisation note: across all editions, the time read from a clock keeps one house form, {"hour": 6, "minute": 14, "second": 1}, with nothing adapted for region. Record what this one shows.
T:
{"hour": 10, "minute": 57, "second": 6}
